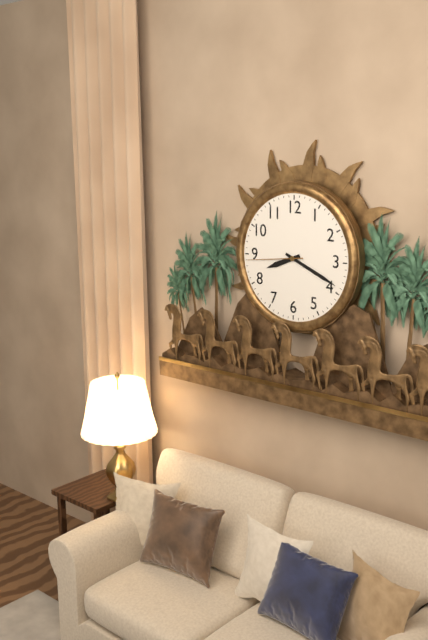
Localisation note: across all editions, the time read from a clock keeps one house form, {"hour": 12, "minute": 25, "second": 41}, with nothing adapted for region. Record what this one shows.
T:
{"hour": 8, "minute": 19, "second": 44}
